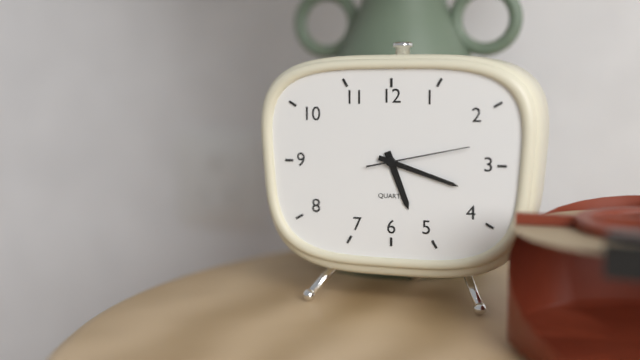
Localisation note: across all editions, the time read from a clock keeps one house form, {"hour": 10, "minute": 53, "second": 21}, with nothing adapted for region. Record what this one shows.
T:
{"hour": 5, "minute": 18, "second": 13}
